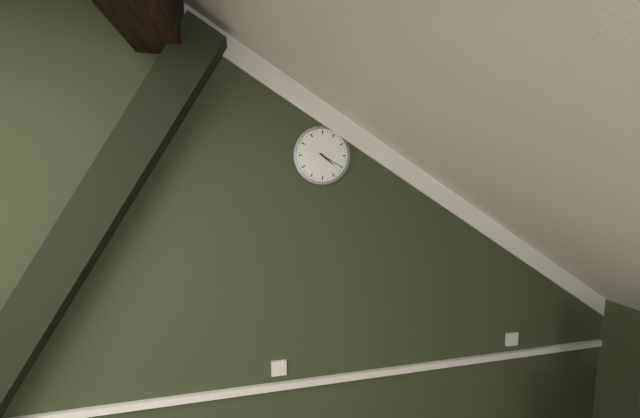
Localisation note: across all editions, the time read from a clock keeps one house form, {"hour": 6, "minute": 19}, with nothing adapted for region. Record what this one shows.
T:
{"hour": 4, "minute": 20}
